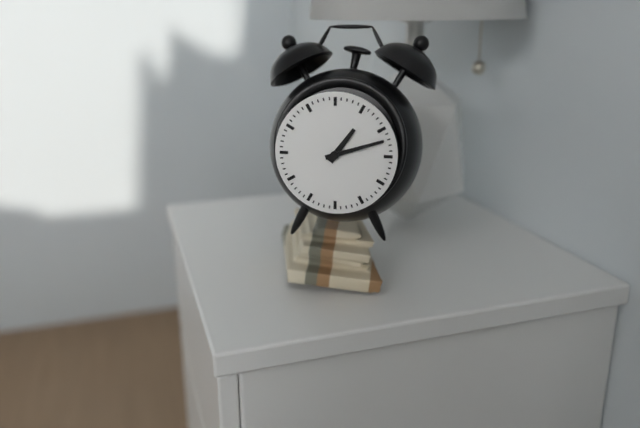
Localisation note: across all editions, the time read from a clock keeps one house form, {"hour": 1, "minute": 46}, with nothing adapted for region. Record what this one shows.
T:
{"hour": 1, "minute": 12}
